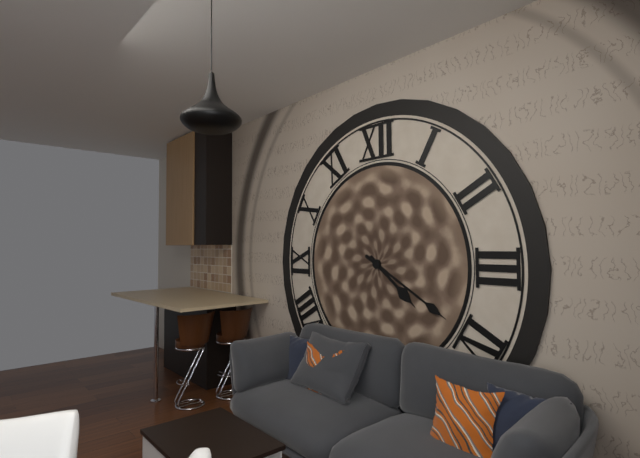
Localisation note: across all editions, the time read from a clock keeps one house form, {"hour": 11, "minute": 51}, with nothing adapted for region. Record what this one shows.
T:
{"hour": 4, "minute": 20}
